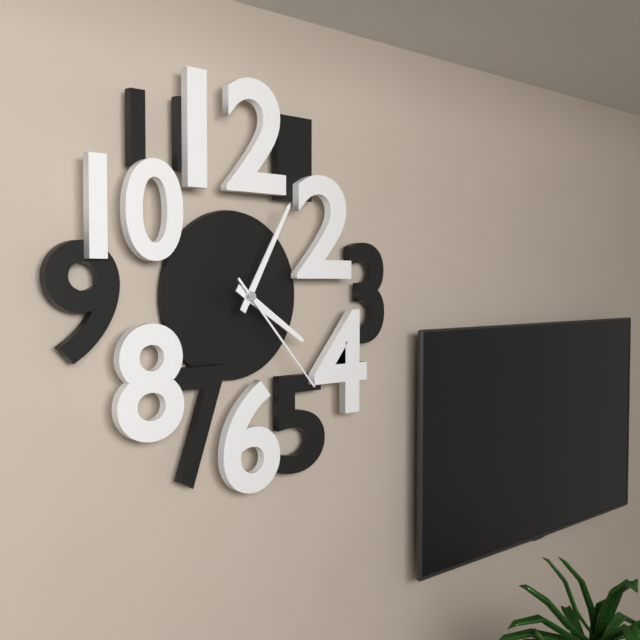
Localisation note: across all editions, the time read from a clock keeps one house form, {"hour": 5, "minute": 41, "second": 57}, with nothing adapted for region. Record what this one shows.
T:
{"hour": 4, "minute": 5, "second": 23}
